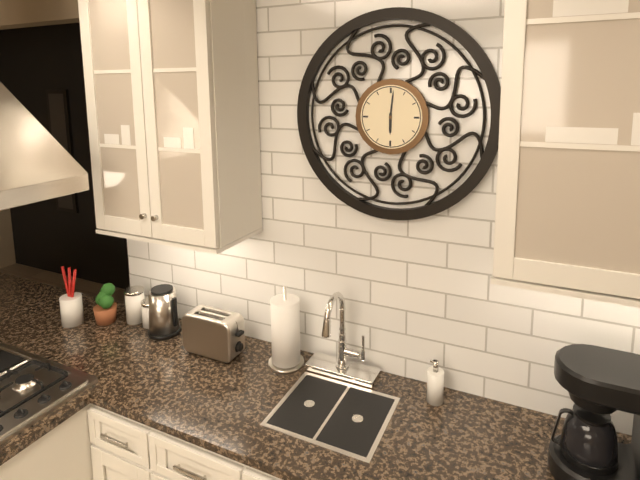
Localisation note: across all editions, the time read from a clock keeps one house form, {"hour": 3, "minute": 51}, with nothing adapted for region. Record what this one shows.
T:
{"hour": 6, "minute": 1}
